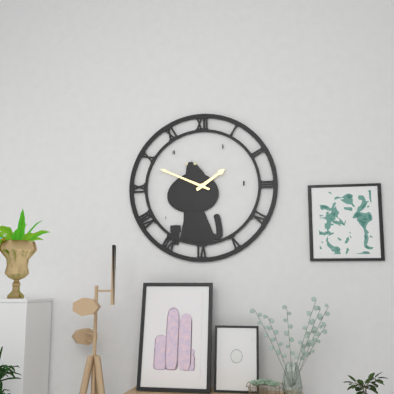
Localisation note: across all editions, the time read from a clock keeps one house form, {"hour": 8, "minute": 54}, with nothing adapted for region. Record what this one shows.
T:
{"hour": 1, "minute": 49}
